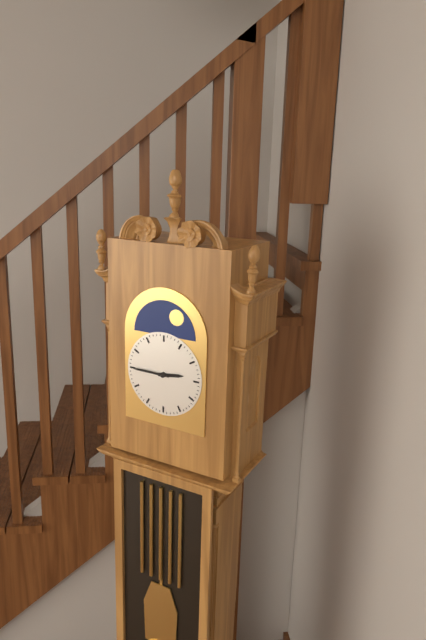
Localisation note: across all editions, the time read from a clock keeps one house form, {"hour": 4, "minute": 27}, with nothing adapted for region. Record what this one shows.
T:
{"hour": 2, "minute": 45}
